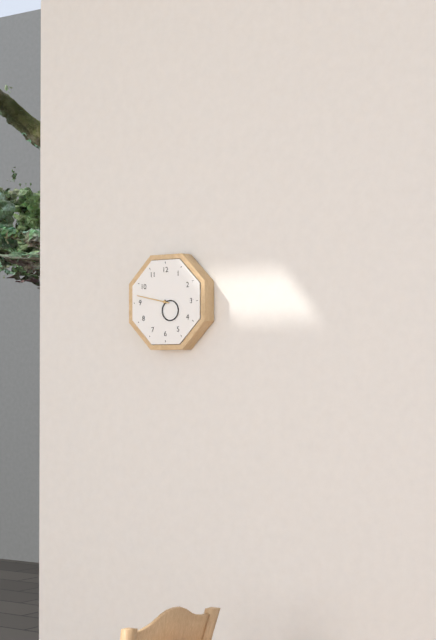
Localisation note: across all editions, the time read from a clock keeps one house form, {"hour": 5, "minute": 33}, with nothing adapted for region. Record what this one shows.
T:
{"hour": 4, "minute": 47}
